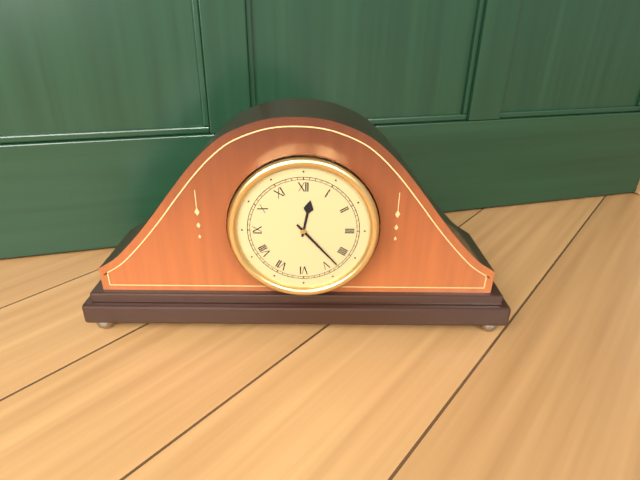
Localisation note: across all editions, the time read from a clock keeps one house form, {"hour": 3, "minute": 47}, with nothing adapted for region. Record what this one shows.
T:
{"hour": 12, "minute": 23}
